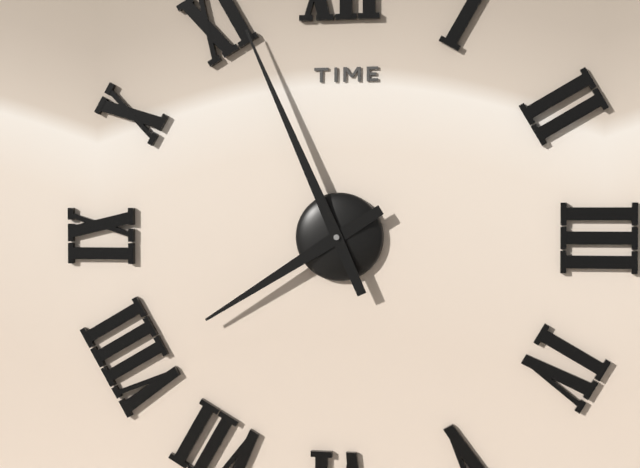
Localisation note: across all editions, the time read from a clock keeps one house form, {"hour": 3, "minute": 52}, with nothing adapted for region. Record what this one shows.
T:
{"hour": 7, "minute": 56}
